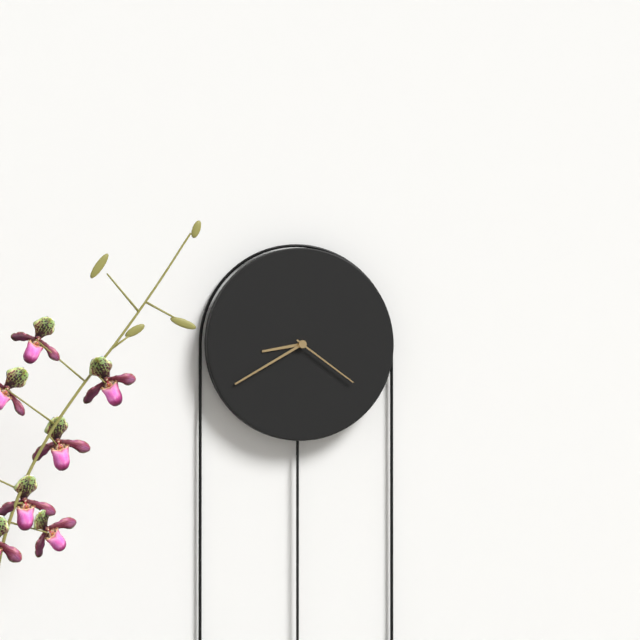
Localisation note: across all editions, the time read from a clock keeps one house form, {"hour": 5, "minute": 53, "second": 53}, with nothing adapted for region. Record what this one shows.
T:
{"hour": 8, "minute": 40, "second": 21}
